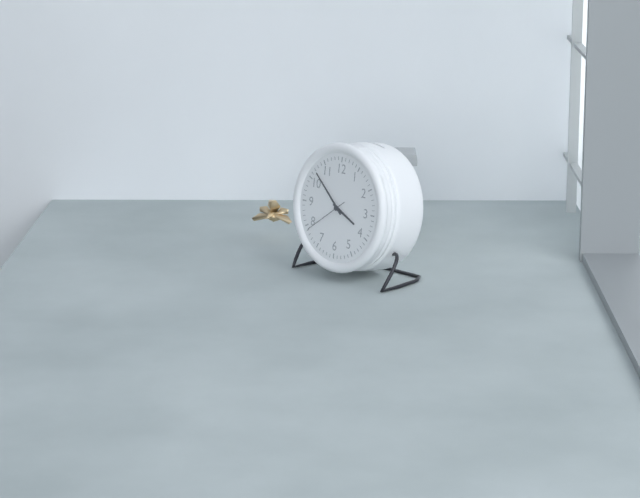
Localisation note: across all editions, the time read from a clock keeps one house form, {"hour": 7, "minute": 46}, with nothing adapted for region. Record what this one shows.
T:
{"hour": 3, "minute": 52}
